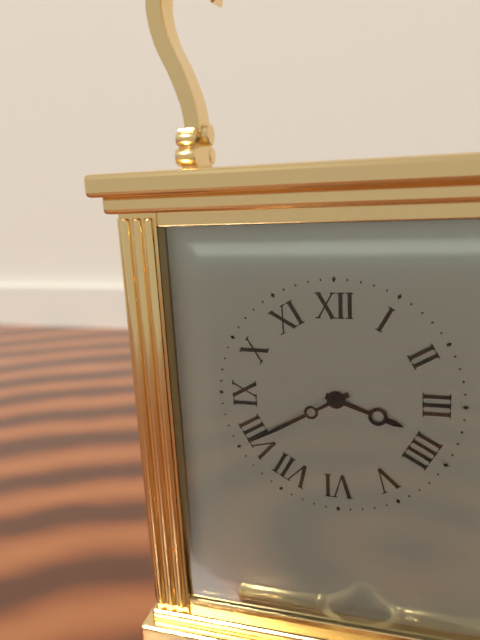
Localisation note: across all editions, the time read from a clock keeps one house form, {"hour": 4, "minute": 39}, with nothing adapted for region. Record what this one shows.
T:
{"hour": 3, "minute": 40}
